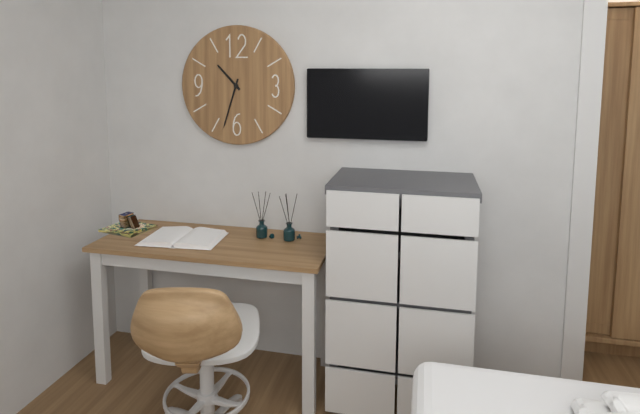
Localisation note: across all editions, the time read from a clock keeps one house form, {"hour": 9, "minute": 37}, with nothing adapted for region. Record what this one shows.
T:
{"hour": 10, "minute": 33}
